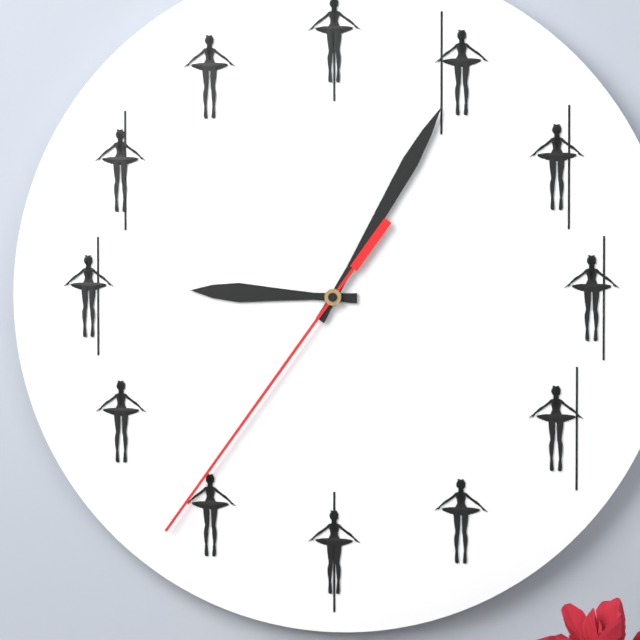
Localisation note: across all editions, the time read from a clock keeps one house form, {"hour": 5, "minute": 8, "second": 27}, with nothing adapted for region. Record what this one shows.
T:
{"hour": 9, "minute": 5, "second": 36}
